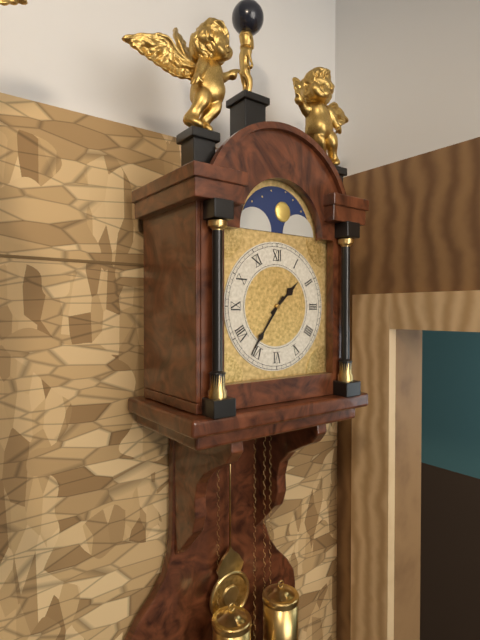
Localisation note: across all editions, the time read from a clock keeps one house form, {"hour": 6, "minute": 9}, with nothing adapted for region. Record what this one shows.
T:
{"hour": 1, "minute": 36}
